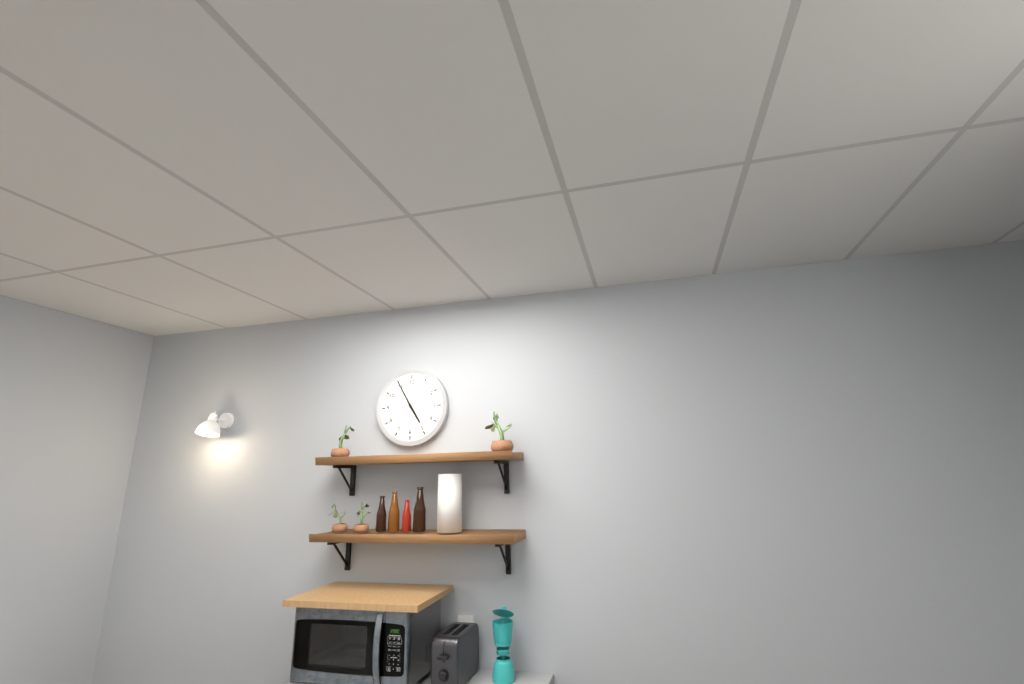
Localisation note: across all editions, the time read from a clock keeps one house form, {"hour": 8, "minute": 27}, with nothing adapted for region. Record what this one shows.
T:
{"hour": 4, "minute": 55}
